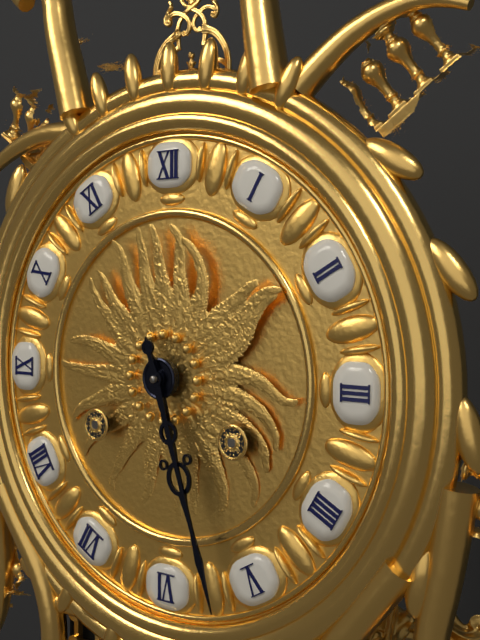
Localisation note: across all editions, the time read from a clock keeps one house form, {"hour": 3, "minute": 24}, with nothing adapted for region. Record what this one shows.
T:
{"hour": 5, "minute": 27}
